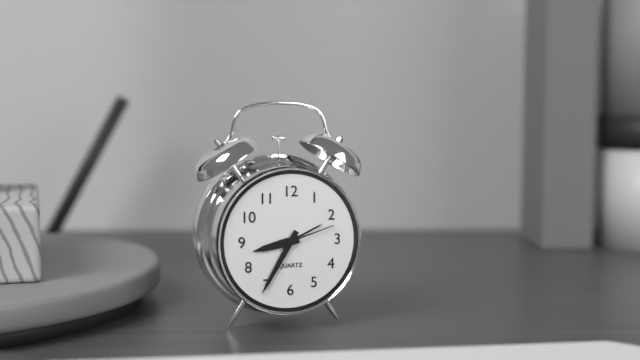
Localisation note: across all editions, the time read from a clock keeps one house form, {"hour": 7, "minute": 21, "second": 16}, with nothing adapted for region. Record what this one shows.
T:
{"hour": 8, "minute": 35, "second": 12}
